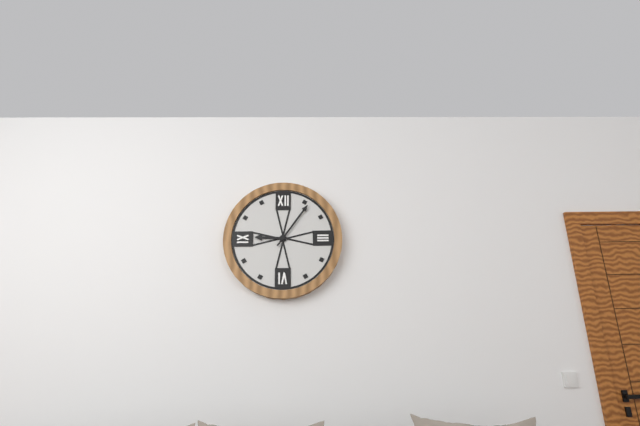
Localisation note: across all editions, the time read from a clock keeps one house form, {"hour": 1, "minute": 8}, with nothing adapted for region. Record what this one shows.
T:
{"hour": 9, "minute": 6}
